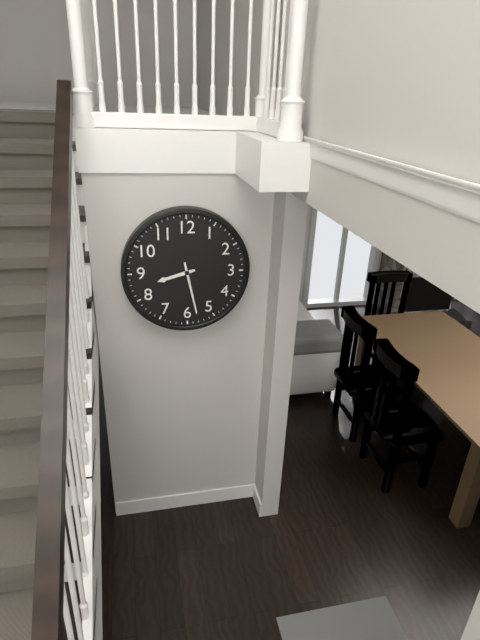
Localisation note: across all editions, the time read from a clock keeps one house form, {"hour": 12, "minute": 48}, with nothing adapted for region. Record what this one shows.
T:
{"hour": 8, "minute": 28}
